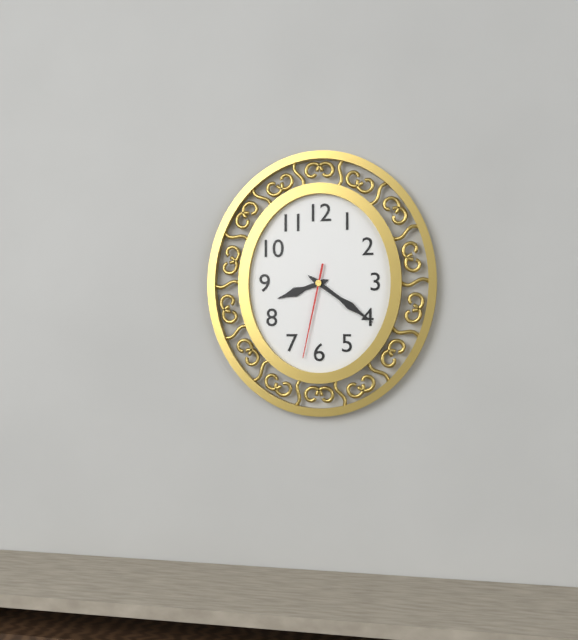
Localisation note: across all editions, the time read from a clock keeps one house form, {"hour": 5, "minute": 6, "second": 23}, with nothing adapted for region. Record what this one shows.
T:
{"hour": 8, "minute": 21, "second": 32}
